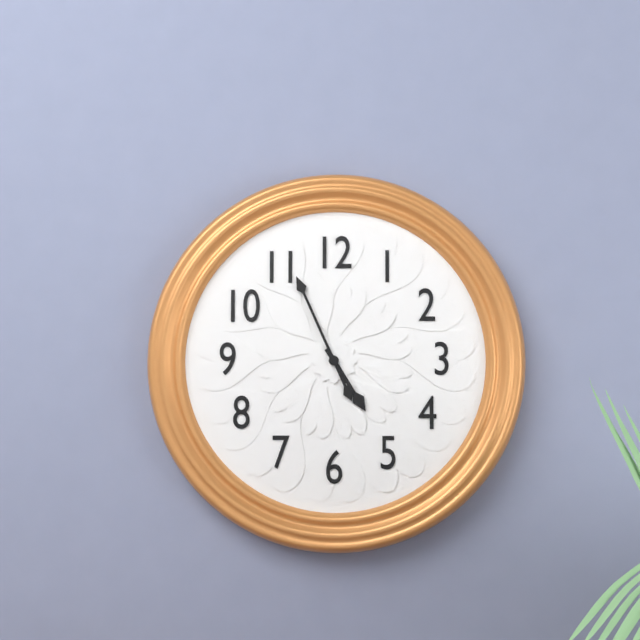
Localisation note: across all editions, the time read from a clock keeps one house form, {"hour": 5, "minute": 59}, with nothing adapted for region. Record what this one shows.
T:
{"hour": 4, "minute": 56}
